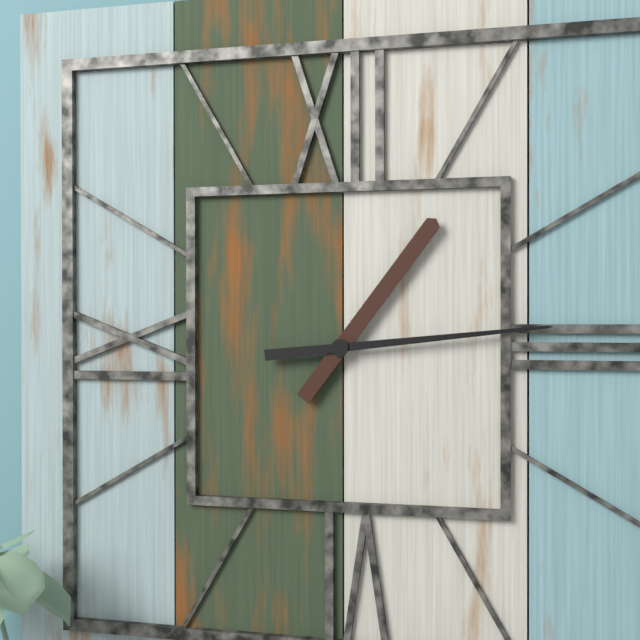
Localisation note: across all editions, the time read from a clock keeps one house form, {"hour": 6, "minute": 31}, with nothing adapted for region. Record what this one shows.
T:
{"hour": 1, "minute": 14}
